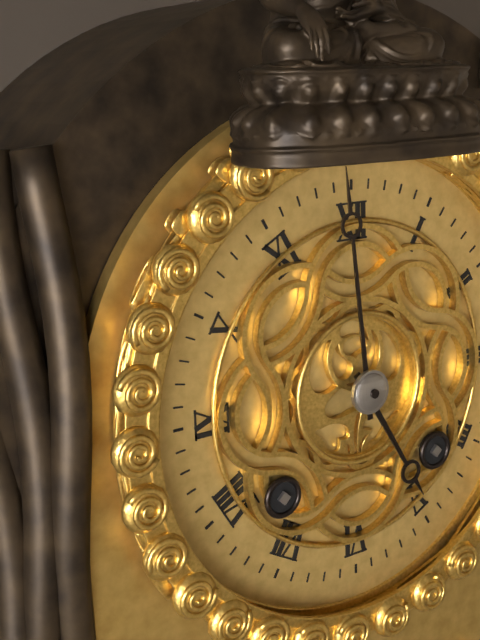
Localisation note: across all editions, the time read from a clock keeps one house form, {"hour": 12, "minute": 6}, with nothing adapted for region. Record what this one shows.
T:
{"hour": 4, "minute": 59}
